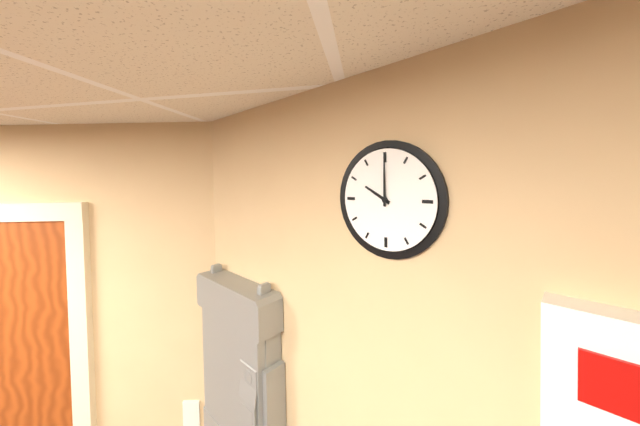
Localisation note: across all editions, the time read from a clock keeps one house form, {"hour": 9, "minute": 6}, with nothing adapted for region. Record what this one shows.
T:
{"hour": 10, "minute": 0}
